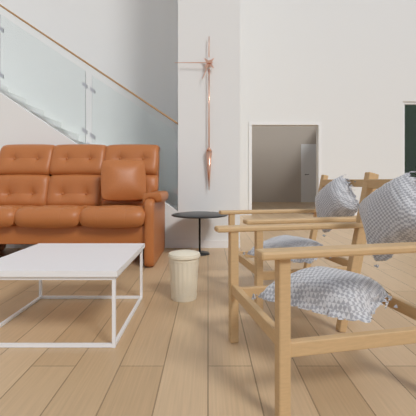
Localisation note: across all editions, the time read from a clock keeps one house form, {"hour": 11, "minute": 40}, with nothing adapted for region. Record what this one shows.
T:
{"hour": 6, "minute": 45}
